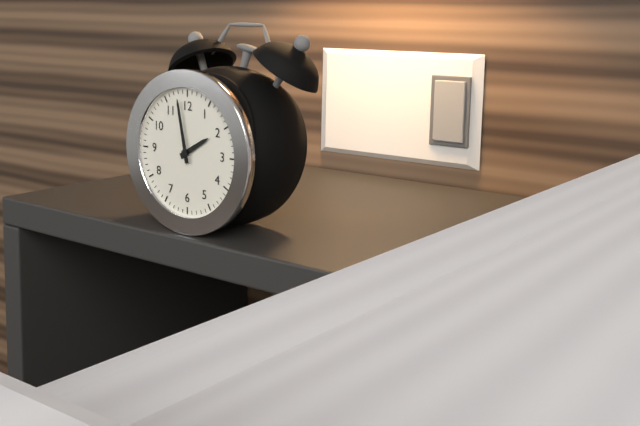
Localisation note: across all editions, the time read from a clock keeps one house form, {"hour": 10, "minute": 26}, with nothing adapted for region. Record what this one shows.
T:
{"hour": 1, "minute": 58}
